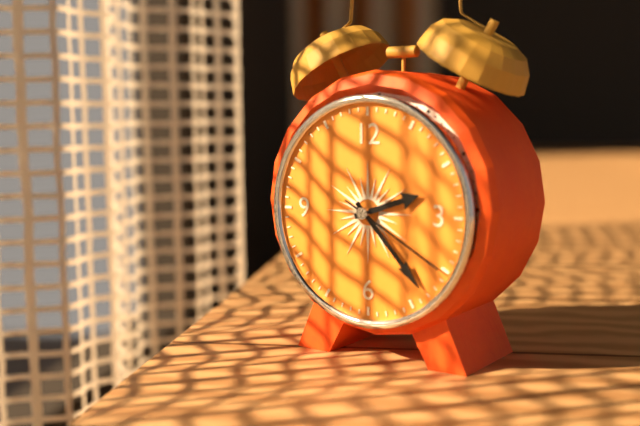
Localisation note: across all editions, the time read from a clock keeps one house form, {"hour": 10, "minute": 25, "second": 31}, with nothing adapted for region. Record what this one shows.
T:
{"hour": 2, "minute": 23, "second": 20}
